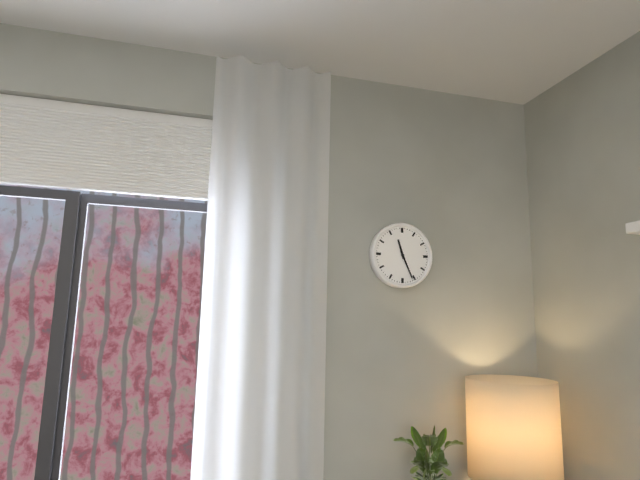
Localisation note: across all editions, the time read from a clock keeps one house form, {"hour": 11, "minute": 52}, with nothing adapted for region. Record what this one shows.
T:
{"hour": 11, "minute": 26}
